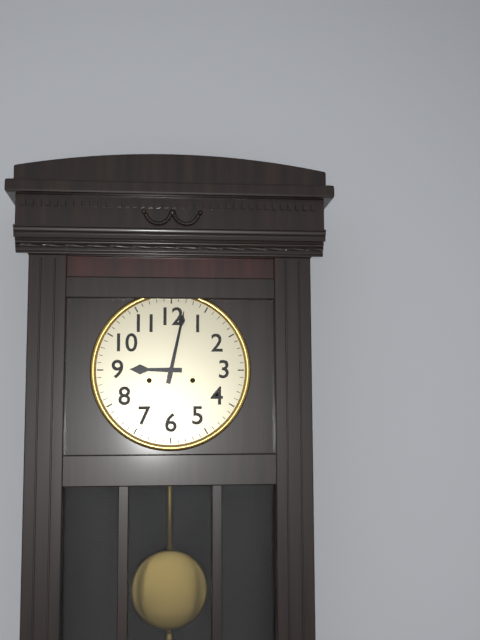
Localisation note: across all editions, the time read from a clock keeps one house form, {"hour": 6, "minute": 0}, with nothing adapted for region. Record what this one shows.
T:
{"hour": 9, "minute": 2}
